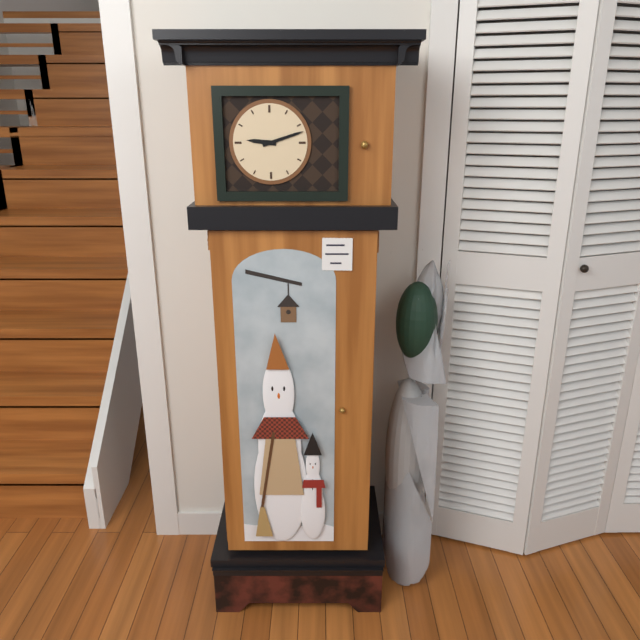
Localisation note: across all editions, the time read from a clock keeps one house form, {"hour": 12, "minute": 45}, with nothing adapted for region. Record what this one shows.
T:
{"hour": 9, "minute": 12}
